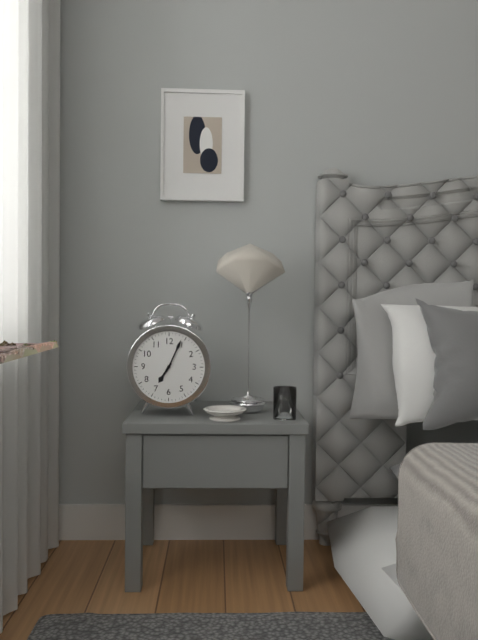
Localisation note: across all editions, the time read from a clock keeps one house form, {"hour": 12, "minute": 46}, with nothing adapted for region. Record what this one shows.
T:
{"hour": 7, "minute": 4}
